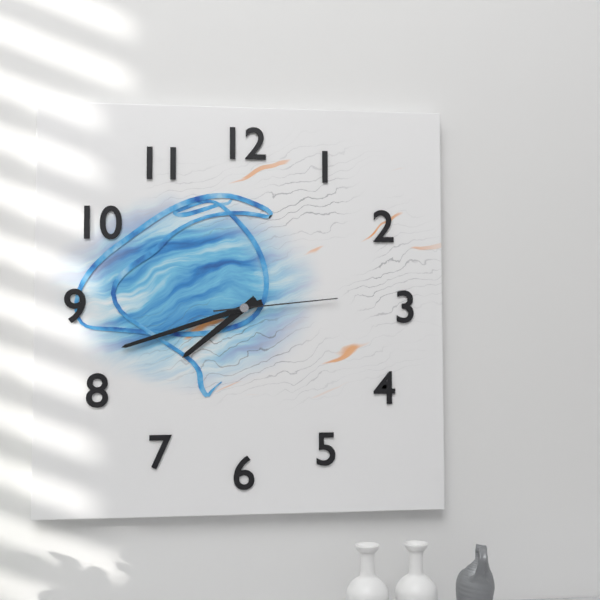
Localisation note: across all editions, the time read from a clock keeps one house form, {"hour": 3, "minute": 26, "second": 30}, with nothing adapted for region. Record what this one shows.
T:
{"hour": 7, "minute": 42, "second": 14}
